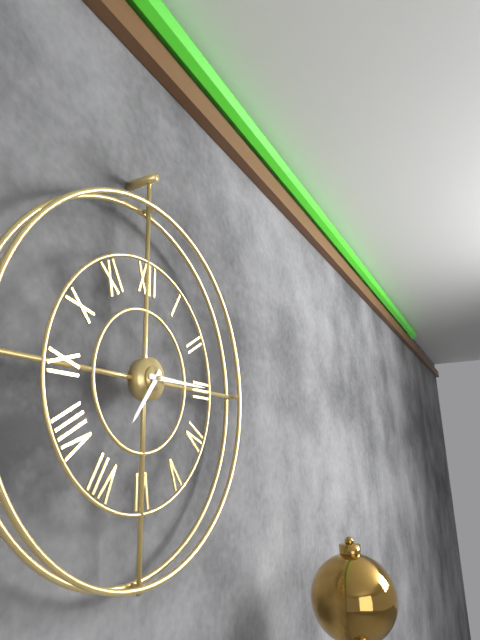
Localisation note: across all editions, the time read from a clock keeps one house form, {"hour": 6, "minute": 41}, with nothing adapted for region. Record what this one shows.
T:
{"hour": 7, "minute": 15}
